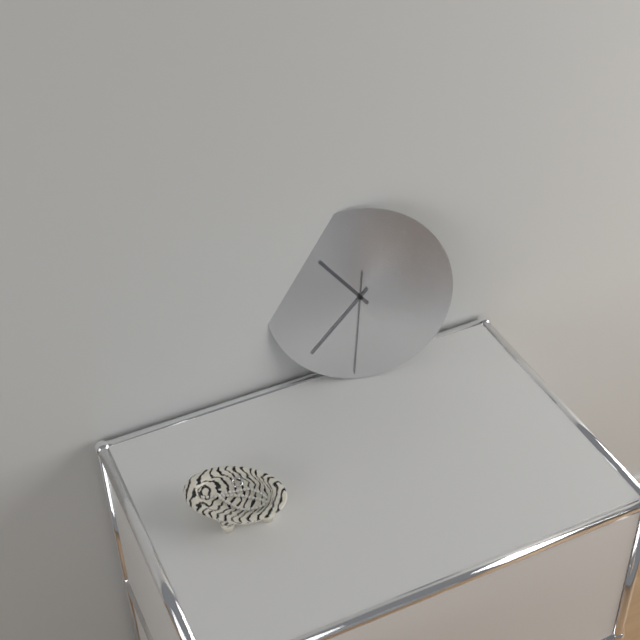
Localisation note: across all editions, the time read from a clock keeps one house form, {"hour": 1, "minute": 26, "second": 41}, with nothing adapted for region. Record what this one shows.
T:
{"hour": 10, "minute": 37, "second": 31}
